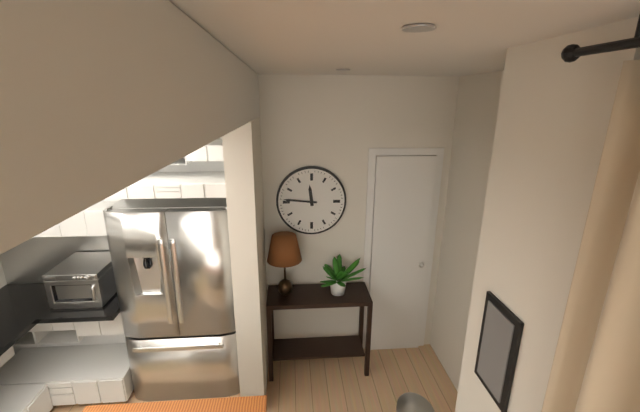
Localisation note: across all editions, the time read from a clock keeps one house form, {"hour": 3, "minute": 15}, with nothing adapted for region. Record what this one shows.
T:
{"hour": 11, "minute": 46}
